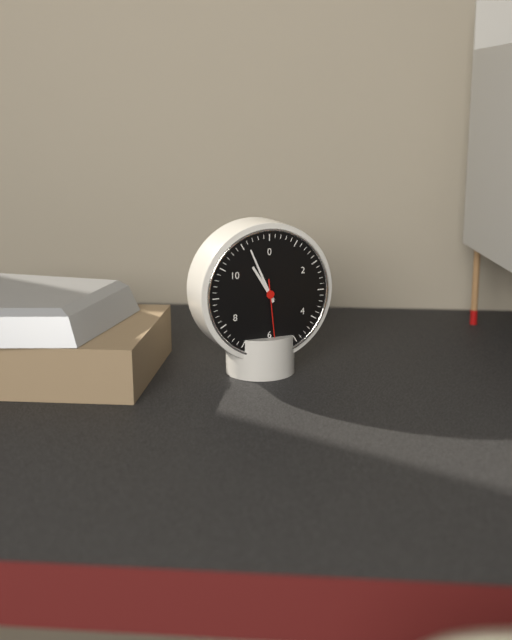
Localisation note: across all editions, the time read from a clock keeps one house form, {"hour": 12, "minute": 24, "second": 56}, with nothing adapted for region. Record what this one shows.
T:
{"hour": 10, "minute": 56, "second": 29}
